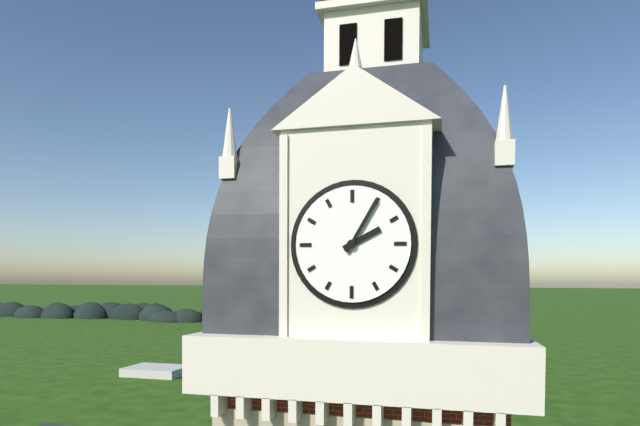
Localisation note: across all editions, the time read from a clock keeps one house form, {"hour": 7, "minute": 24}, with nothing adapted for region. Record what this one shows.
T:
{"hour": 2, "minute": 5}
